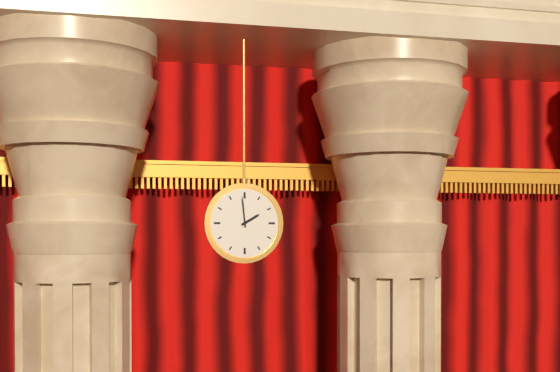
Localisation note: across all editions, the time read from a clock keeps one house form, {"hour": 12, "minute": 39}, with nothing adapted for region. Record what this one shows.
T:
{"hour": 1, "minute": 59}
